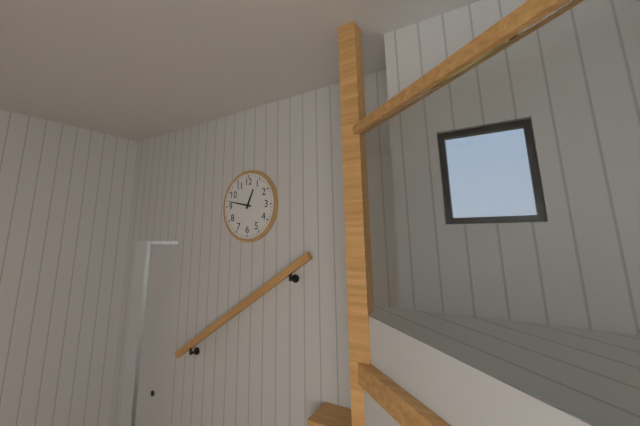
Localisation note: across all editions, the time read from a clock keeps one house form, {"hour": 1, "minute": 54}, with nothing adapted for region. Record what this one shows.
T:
{"hour": 12, "minute": 47}
